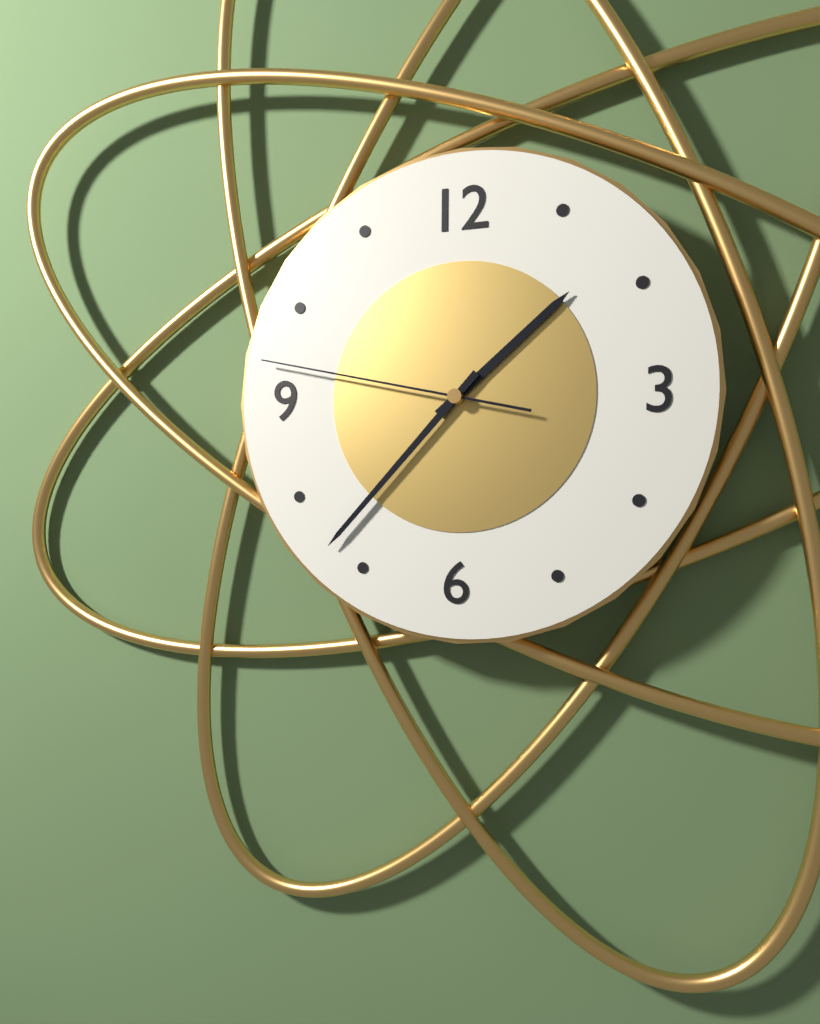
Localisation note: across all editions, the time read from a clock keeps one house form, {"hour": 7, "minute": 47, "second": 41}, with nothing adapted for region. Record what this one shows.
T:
{"hour": 1, "minute": 37, "second": 47}
